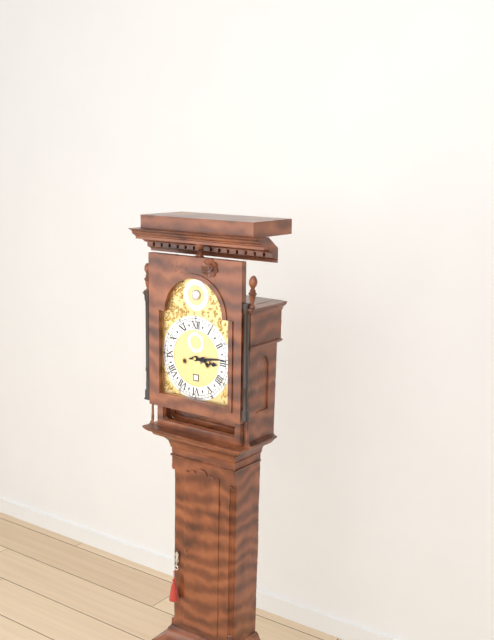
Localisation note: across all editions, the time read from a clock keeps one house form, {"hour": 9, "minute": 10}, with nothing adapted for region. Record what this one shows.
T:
{"hour": 3, "minute": 14}
